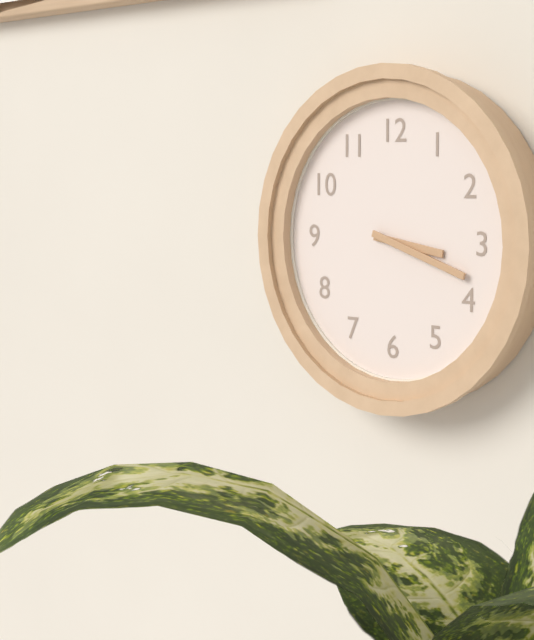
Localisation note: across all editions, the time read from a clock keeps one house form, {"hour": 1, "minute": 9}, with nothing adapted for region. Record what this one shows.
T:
{"hour": 3, "minute": 18}
